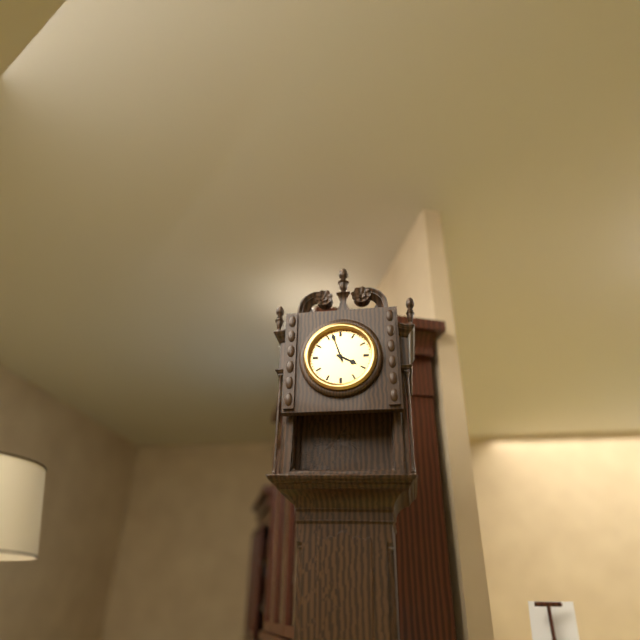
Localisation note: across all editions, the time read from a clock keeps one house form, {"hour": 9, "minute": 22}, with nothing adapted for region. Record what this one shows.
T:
{"hour": 3, "minute": 57}
